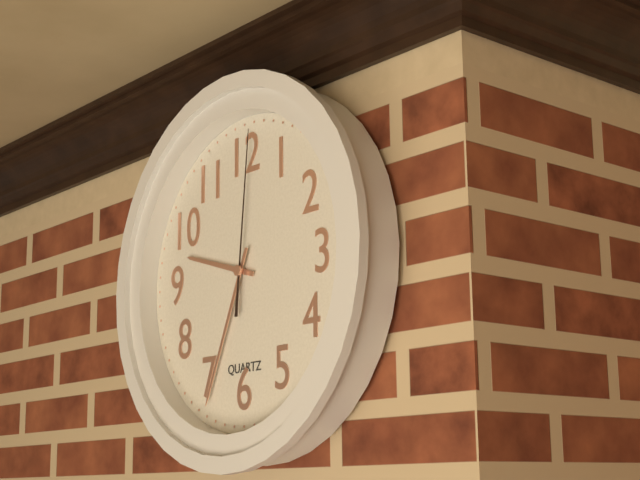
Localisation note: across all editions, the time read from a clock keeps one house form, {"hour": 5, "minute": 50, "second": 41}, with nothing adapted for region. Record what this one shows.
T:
{"hour": 9, "minute": 34, "second": 1}
